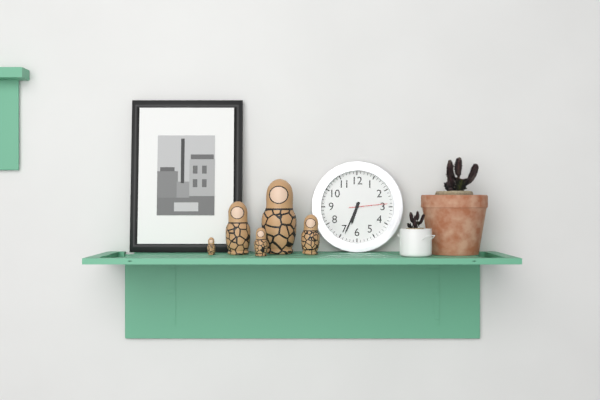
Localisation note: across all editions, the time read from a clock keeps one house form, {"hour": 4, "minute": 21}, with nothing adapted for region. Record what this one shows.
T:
{"hour": 6, "minute": 34}
